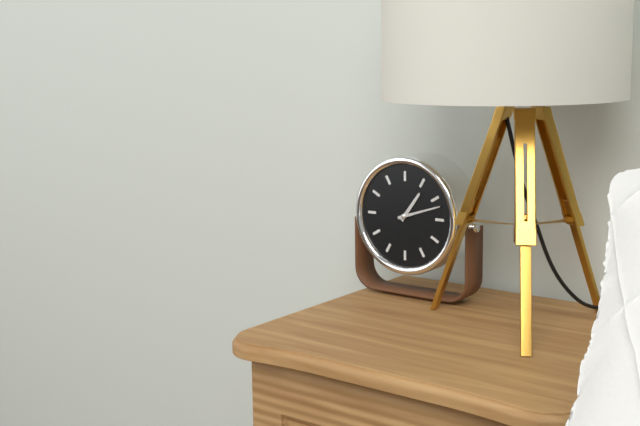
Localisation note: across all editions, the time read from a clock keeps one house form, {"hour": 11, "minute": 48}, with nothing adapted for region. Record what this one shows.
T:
{"hour": 1, "minute": 12}
